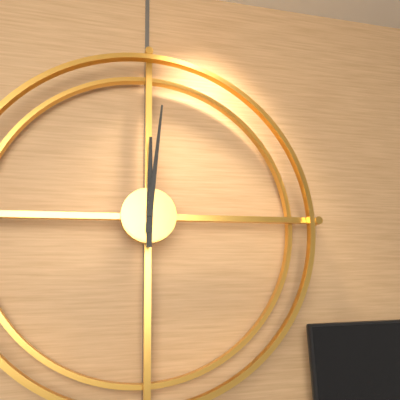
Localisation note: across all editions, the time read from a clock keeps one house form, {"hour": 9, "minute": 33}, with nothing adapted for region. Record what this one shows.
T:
{"hour": 12, "minute": 1}
